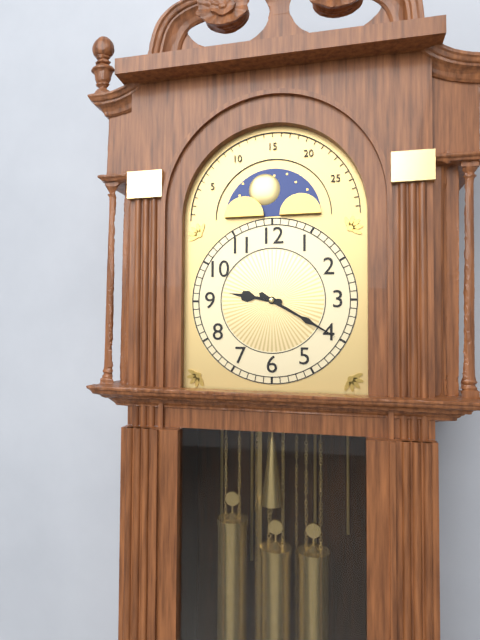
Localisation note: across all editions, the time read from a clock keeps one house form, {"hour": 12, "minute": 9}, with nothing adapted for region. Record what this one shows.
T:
{"hour": 9, "minute": 20}
